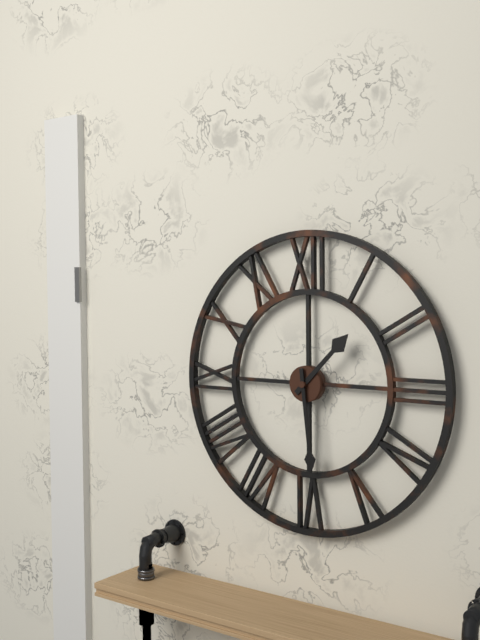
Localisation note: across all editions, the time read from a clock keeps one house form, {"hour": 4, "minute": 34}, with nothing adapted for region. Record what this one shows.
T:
{"hour": 1, "minute": 29}
